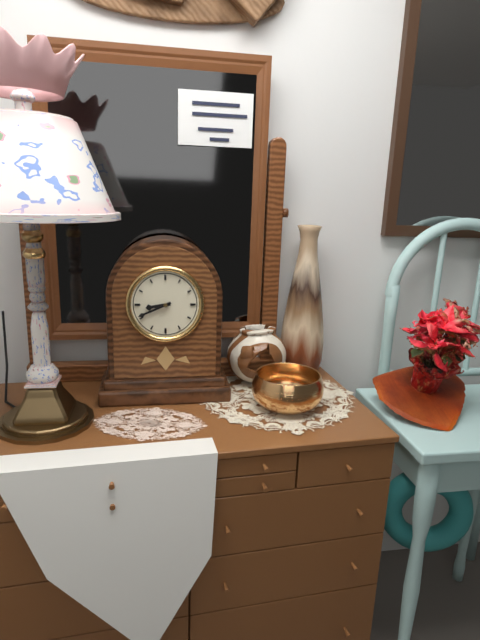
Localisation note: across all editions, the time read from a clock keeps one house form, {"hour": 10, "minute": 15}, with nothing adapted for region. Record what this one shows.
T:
{"hour": 8, "minute": 41}
